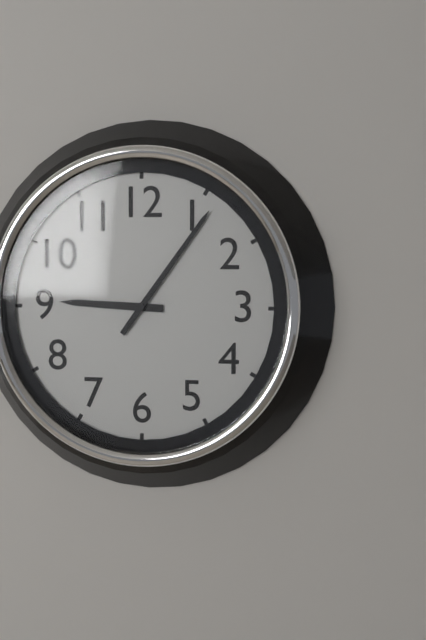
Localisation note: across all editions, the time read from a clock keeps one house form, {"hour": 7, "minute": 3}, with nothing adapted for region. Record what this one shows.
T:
{"hour": 9, "minute": 6}
